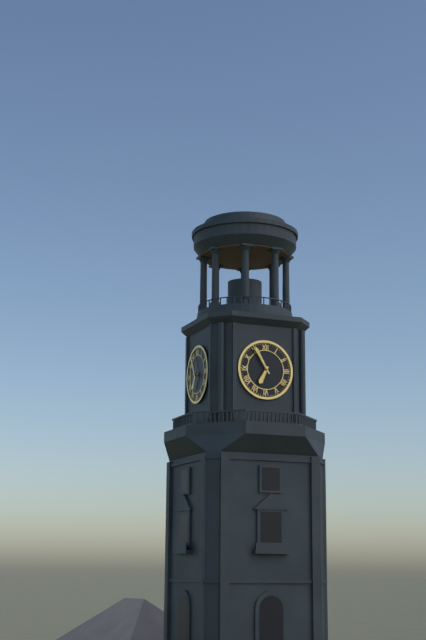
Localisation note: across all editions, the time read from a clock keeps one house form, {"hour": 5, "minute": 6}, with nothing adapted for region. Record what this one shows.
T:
{"hour": 6, "minute": 55}
